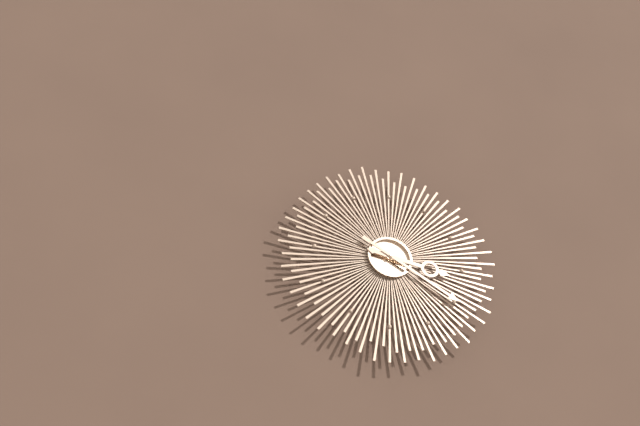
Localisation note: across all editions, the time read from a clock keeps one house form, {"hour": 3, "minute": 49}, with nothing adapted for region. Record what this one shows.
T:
{"hour": 3, "minute": 20}
